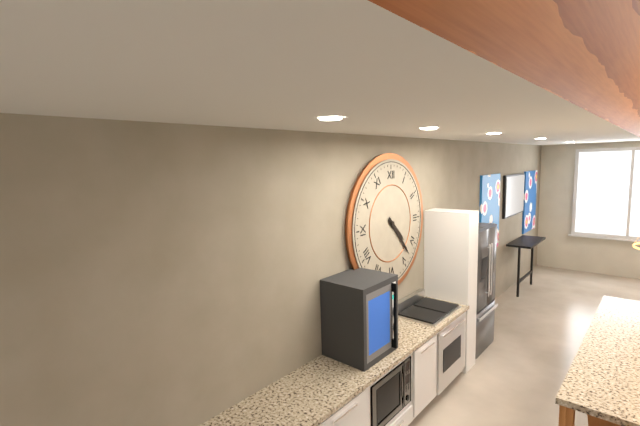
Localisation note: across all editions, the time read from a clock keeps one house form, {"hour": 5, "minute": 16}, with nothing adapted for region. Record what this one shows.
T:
{"hour": 4, "minute": 23}
